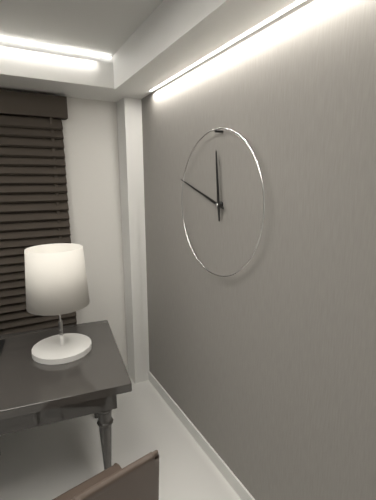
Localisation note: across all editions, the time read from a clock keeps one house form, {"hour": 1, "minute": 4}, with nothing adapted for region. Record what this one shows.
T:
{"hour": 11, "minute": 48}
